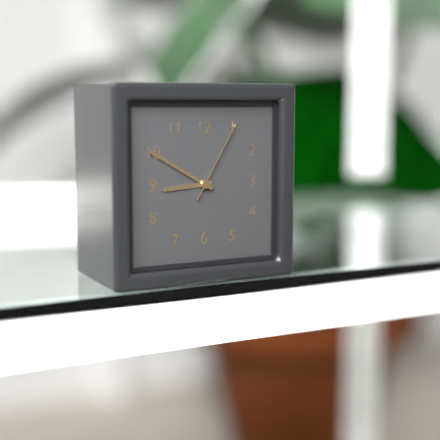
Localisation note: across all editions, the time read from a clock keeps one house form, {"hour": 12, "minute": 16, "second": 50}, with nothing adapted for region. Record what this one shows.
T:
{"hour": 8, "minute": 50, "second": 5}
